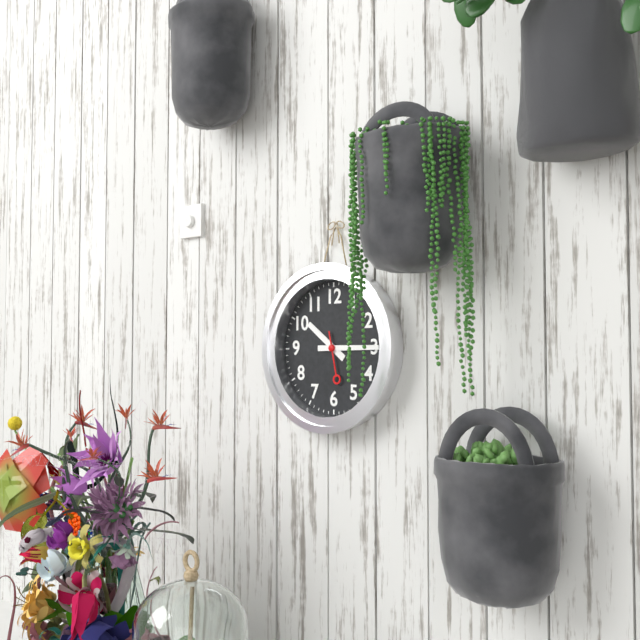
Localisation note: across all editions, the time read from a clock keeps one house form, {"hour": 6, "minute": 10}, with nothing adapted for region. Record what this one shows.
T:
{"hour": 10, "minute": 15}
